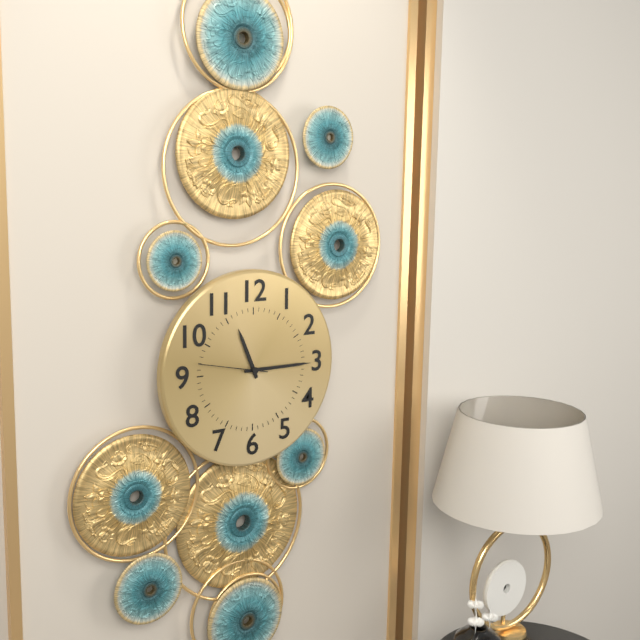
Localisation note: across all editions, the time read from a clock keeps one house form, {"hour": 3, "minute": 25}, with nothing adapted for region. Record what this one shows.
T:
{"hour": 11, "minute": 15}
